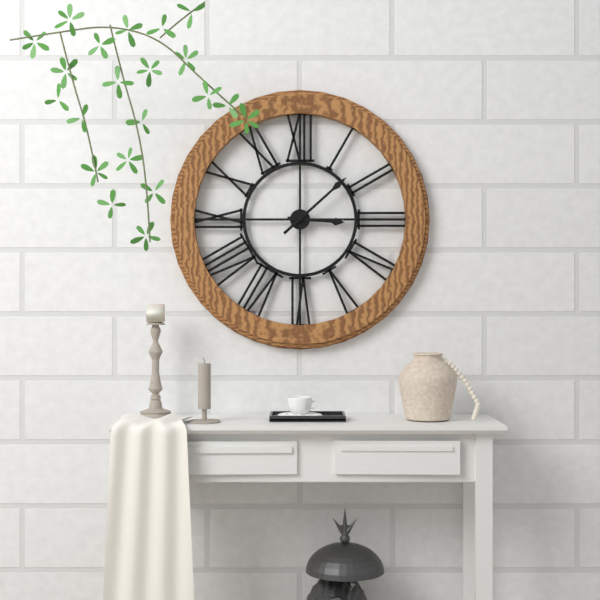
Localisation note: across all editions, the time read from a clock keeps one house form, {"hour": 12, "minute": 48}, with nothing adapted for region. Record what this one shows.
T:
{"hour": 3, "minute": 8}
